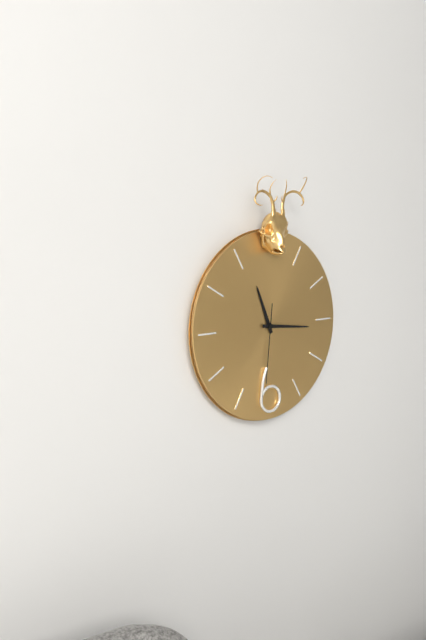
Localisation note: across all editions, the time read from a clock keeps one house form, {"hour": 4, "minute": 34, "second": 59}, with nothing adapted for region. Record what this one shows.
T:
{"hour": 11, "minute": 16, "second": 31}
